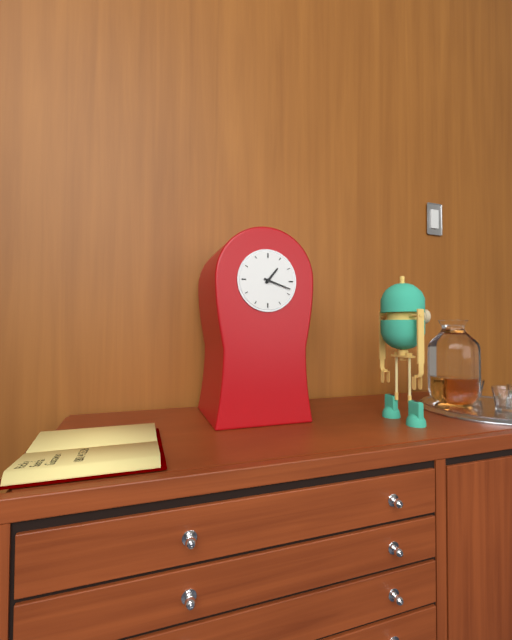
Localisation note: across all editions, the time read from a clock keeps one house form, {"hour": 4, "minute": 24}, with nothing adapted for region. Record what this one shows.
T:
{"hour": 1, "minute": 18}
